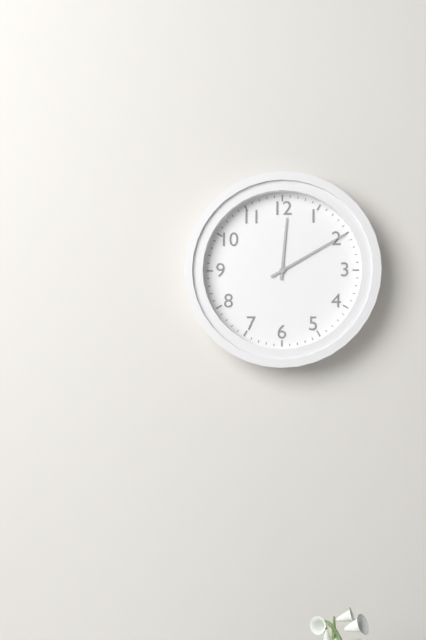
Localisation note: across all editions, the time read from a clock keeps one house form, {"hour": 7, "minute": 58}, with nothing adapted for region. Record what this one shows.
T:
{"hour": 12, "minute": 10}
